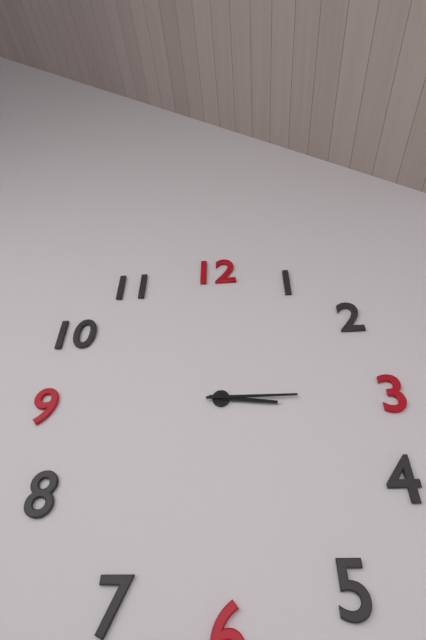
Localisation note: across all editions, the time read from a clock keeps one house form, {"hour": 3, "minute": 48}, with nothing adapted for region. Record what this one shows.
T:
{"hour": 3, "minute": 15}
